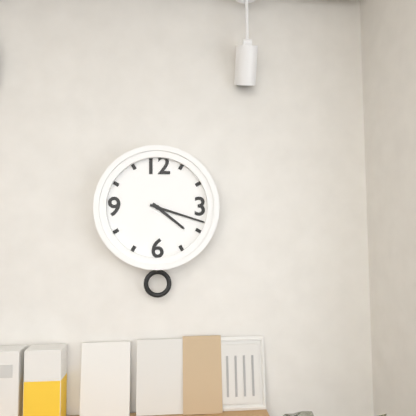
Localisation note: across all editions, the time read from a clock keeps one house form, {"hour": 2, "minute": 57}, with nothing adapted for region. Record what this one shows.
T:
{"hour": 4, "minute": 18}
